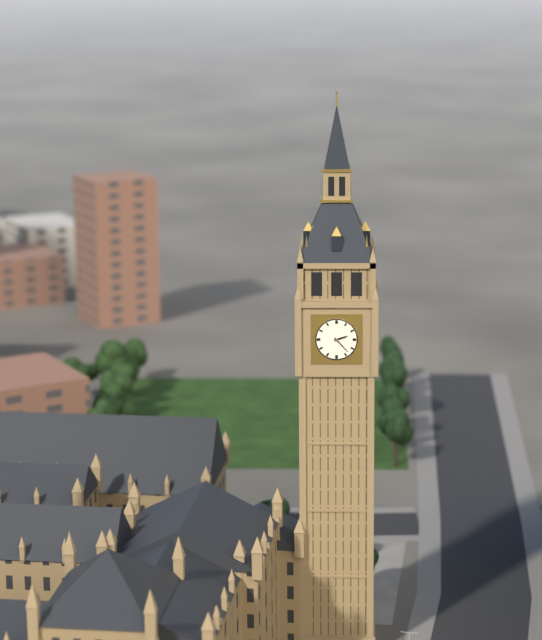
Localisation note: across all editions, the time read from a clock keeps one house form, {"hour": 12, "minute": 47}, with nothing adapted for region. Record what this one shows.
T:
{"hour": 2, "minute": 23}
